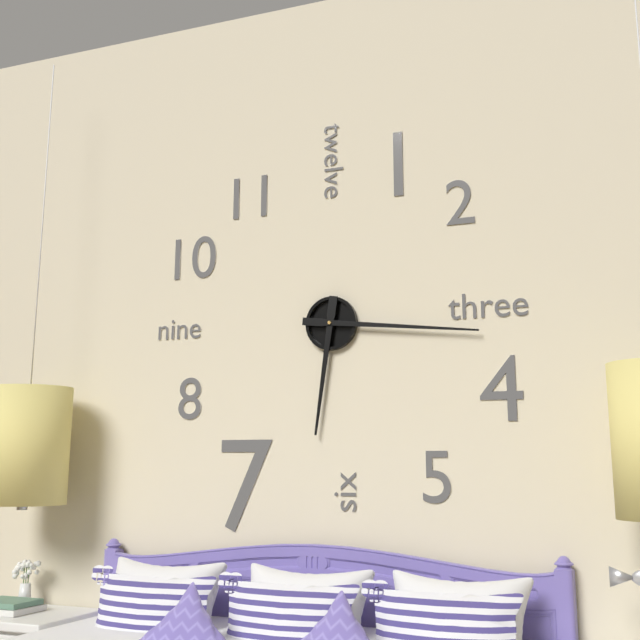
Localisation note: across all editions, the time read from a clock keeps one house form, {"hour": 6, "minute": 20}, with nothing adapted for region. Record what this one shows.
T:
{"hour": 6, "minute": 16}
